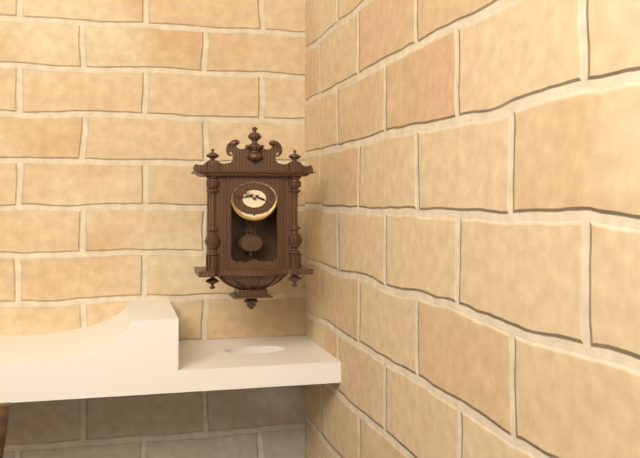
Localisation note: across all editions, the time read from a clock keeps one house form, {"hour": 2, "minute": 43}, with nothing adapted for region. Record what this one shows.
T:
{"hour": 3, "minute": 44}
